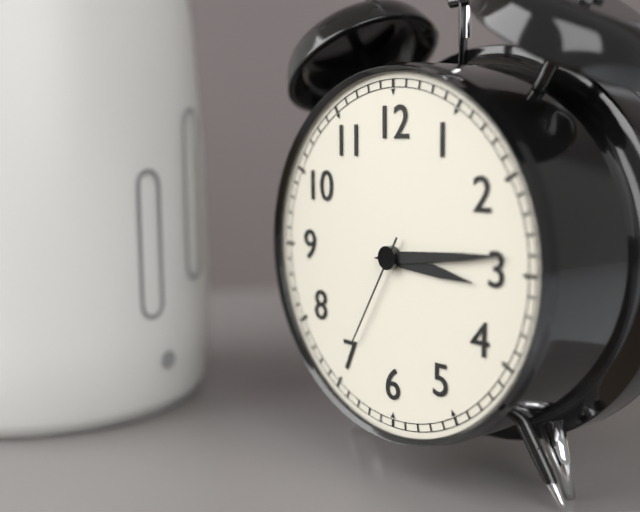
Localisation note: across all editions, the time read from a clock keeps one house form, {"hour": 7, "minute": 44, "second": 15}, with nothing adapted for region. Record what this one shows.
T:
{"hour": 3, "minute": 14, "second": 35}
